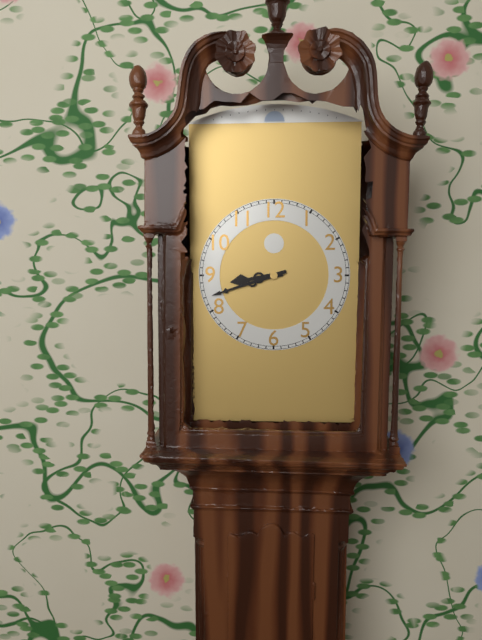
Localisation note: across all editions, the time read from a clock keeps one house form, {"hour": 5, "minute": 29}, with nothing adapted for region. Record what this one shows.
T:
{"hour": 8, "minute": 42}
